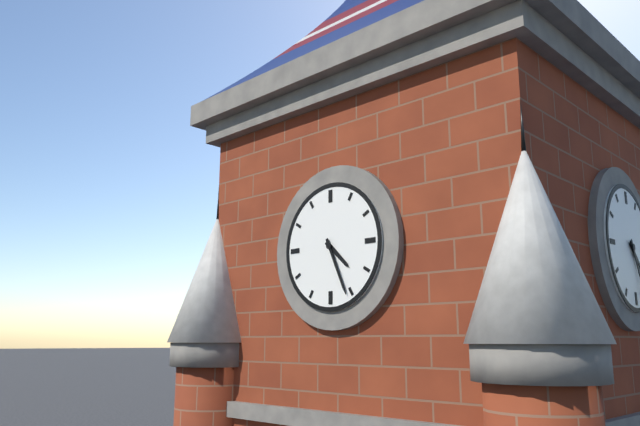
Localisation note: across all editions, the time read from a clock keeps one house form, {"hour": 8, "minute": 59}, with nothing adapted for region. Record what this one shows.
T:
{"hour": 4, "minute": 26}
